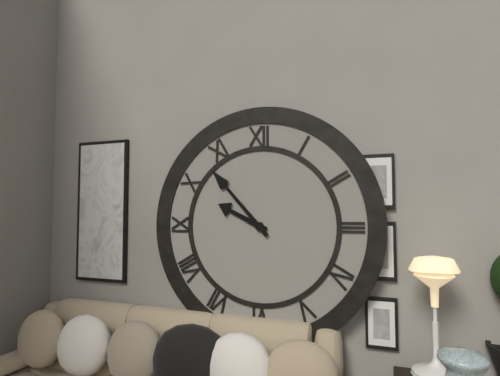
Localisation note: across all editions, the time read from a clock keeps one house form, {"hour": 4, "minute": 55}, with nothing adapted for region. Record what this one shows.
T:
{"hour": 9, "minute": 53}
